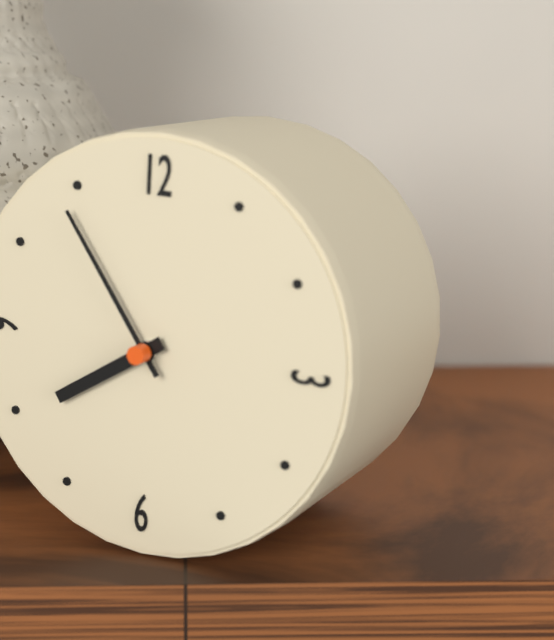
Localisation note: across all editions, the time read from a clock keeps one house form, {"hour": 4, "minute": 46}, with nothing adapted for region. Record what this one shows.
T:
{"hour": 7, "minute": 54}
